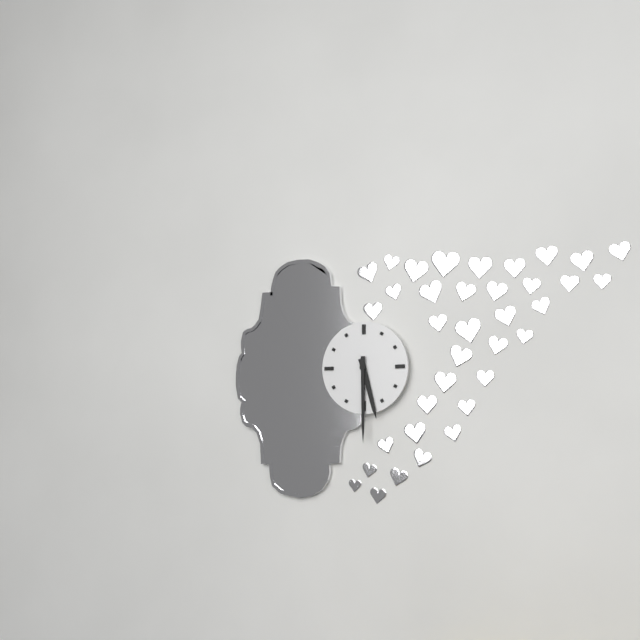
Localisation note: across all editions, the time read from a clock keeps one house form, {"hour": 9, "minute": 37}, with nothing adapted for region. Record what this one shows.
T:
{"hour": 5, "minute": 30}
